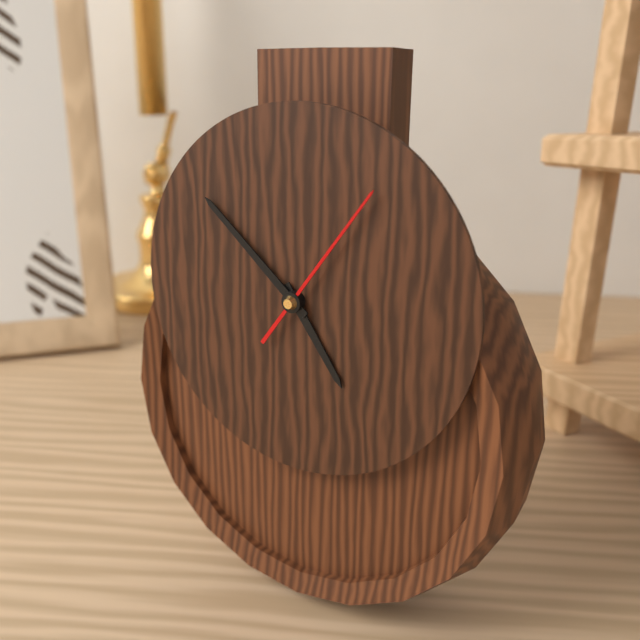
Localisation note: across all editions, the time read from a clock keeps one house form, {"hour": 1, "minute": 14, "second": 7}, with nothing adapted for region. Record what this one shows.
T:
{"hour": 4, "minute": 52, "second": 6}
